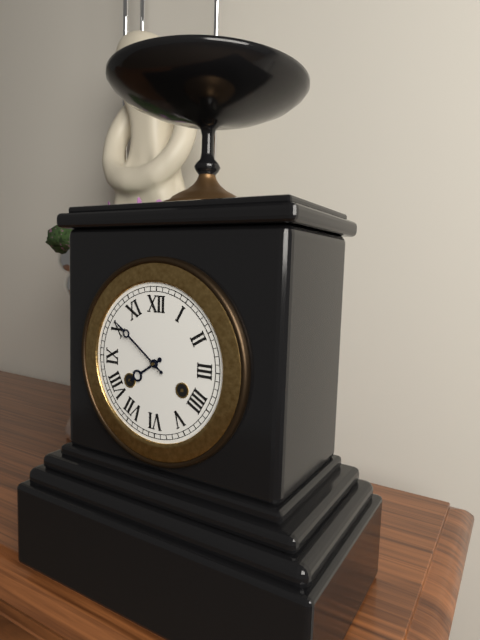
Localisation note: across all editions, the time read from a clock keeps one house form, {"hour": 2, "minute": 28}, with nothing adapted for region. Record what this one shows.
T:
{"hour": 7, "minute": 51}
